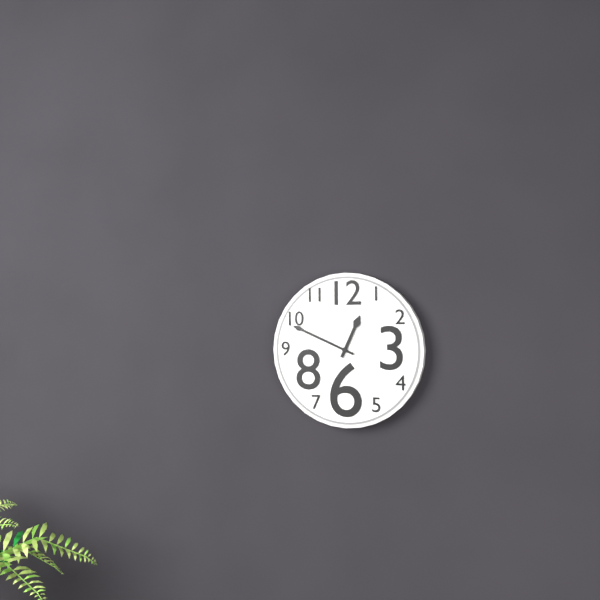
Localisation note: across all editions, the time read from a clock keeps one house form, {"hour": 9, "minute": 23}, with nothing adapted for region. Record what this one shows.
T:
{"hour": 12, "minute": 49}
